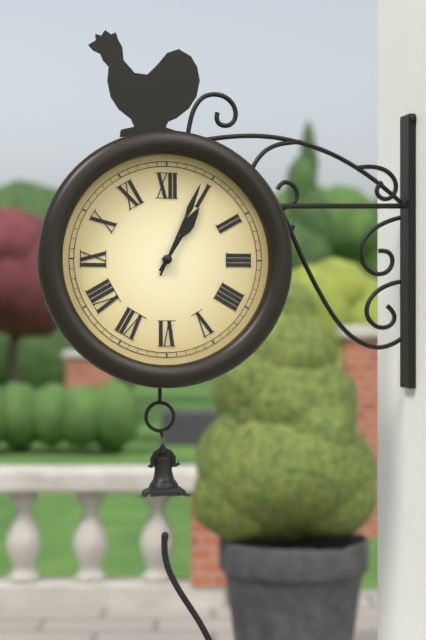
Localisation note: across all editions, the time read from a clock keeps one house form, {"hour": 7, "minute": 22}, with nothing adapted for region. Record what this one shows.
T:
{"hour": 1, "minute": 4}
